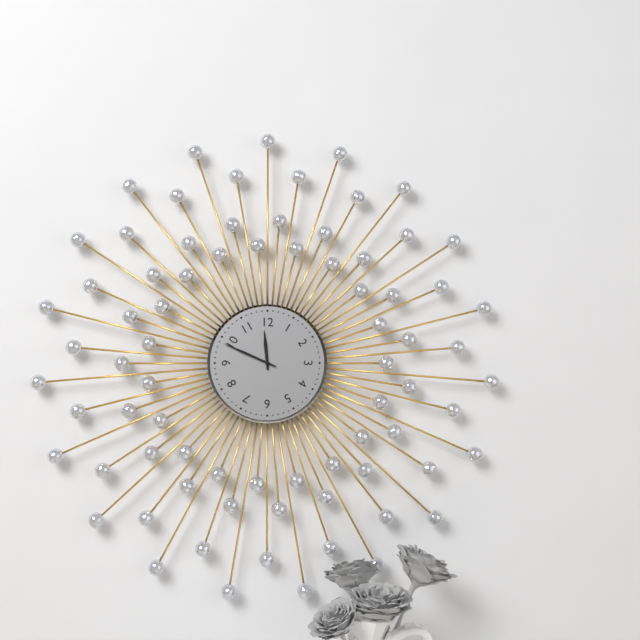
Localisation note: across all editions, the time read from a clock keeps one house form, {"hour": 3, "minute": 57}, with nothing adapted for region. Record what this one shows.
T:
{"hour": 11, "minute": 49}
